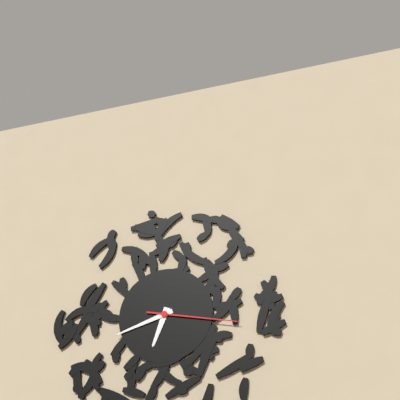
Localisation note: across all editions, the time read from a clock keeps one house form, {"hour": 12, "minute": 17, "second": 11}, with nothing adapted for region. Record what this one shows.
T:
{"hour": 6, "minute": 42, "second": 17}
